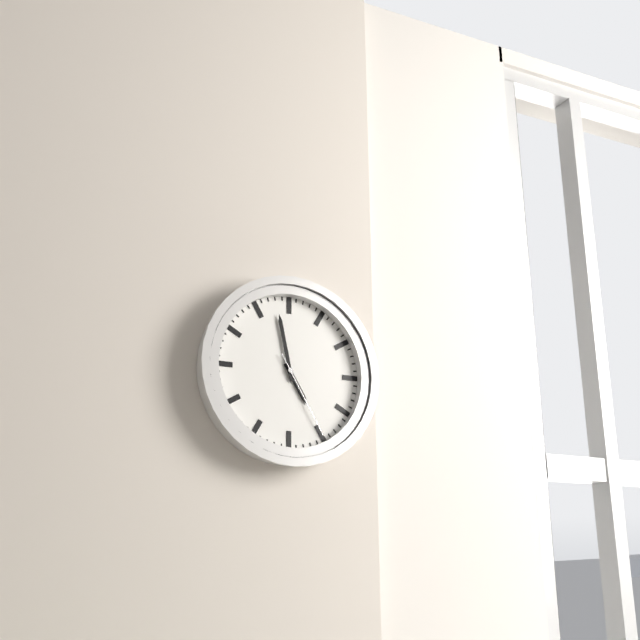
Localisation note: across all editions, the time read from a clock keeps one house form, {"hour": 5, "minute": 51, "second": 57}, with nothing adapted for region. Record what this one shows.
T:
{"hour": 4, "minute": 58, "second": 25}
